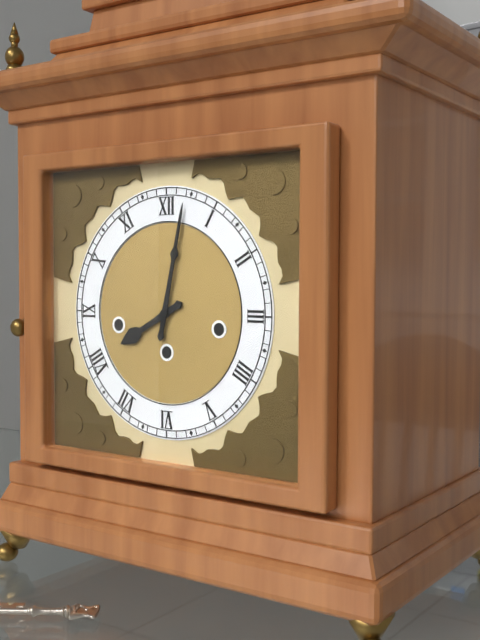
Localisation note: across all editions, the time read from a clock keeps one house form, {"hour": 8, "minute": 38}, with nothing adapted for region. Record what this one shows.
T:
{"hour": 8, "minute": 2}
